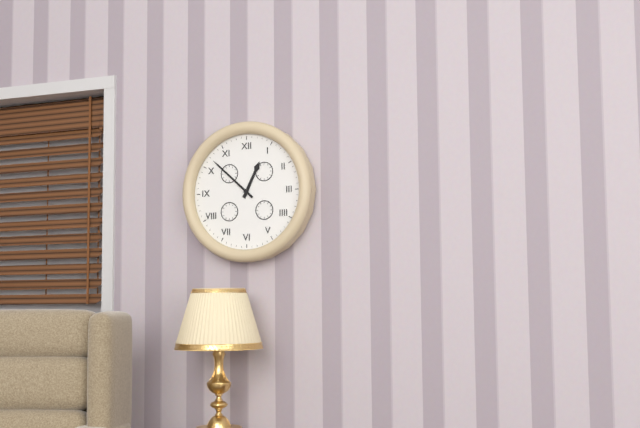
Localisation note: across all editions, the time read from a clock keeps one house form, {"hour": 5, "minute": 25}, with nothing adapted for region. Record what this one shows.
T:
{"hour": 12, "minute": 52}
